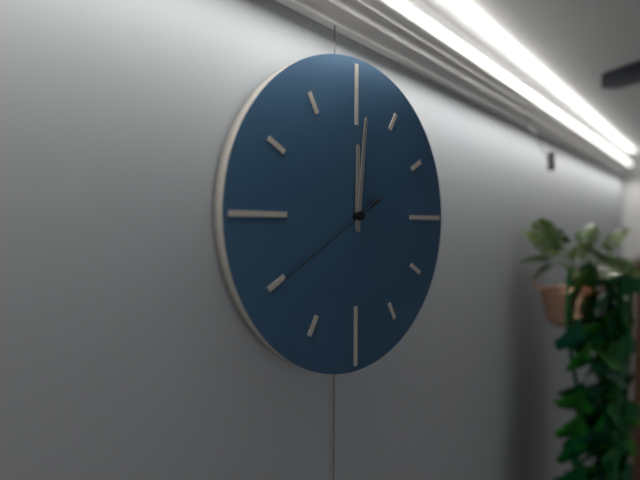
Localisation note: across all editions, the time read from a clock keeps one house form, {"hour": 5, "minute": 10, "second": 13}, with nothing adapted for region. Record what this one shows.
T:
{"hour": 12, "minute": 1, "second": 40}
